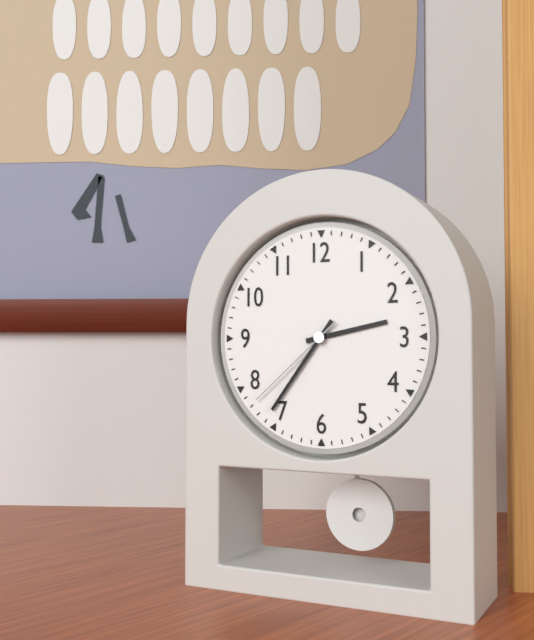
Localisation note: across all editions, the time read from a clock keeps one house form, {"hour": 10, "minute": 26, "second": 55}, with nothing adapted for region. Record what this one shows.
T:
{"hour": 2, "minute": 36, "second": 38}
